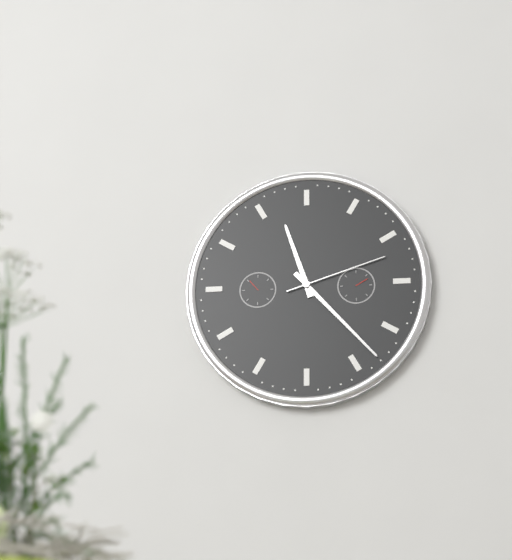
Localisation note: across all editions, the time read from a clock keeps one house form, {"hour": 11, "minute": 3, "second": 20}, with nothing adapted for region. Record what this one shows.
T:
{"hour": 11, "minute": 23, "second": 12}
